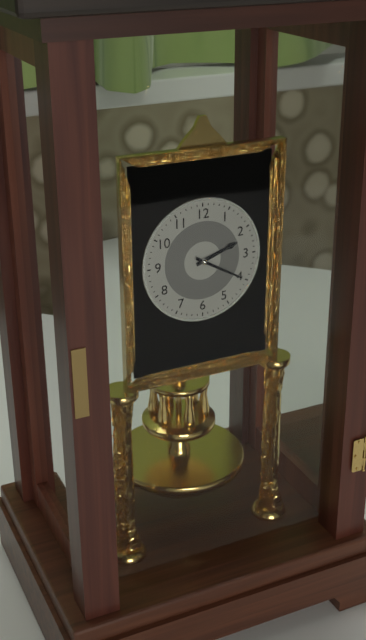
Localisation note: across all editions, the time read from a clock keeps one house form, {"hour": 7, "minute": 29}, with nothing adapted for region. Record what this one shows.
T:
{"hour": 2, "minute": 20}
